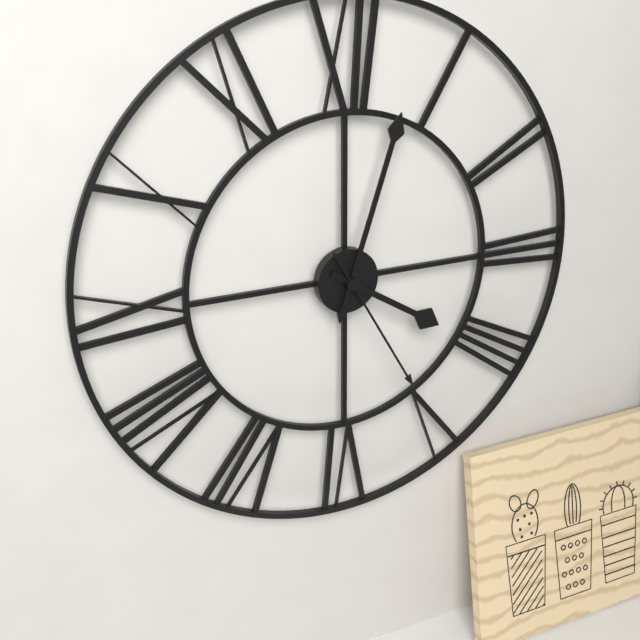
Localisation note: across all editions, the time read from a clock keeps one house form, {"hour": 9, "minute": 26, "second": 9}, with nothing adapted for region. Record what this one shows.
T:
{"hour": 4, "minute": 3, "second": 25}
